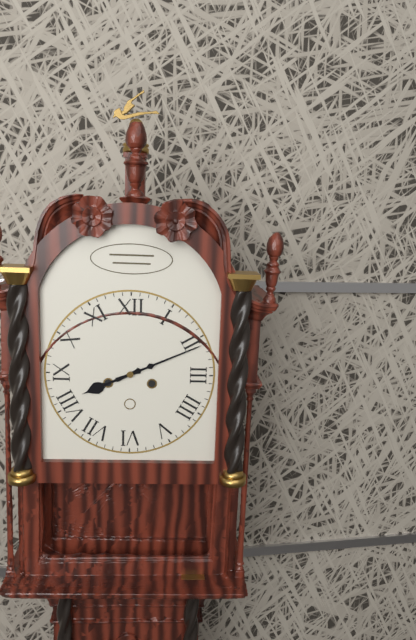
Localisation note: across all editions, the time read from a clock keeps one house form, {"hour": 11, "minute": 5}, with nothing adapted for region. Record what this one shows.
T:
{"hour": 8, "minute": 11}
